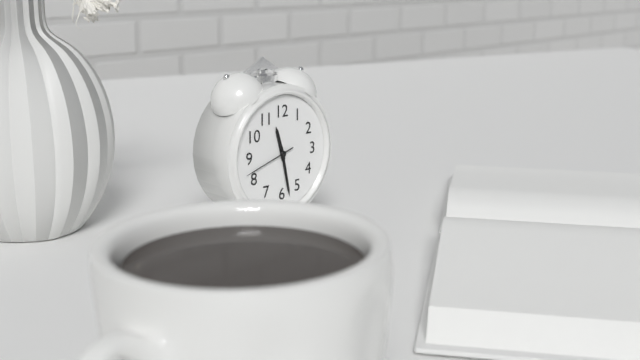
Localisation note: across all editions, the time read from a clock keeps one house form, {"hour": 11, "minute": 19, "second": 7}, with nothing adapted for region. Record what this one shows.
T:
{"hour": 11, "minute": 28, "second": 42}
